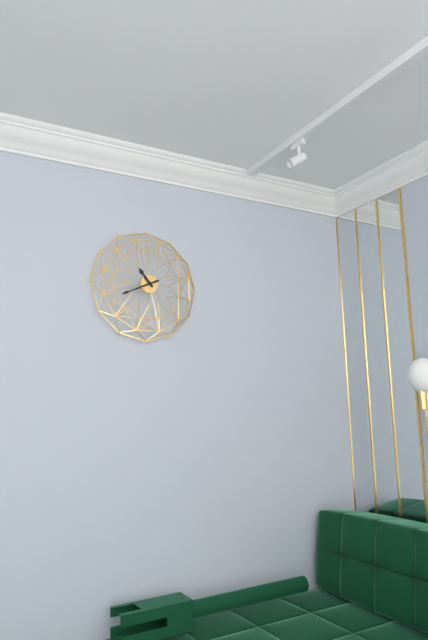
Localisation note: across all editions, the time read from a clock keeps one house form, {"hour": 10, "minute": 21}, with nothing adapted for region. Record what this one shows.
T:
{"hour": 10, "minute": 41}
